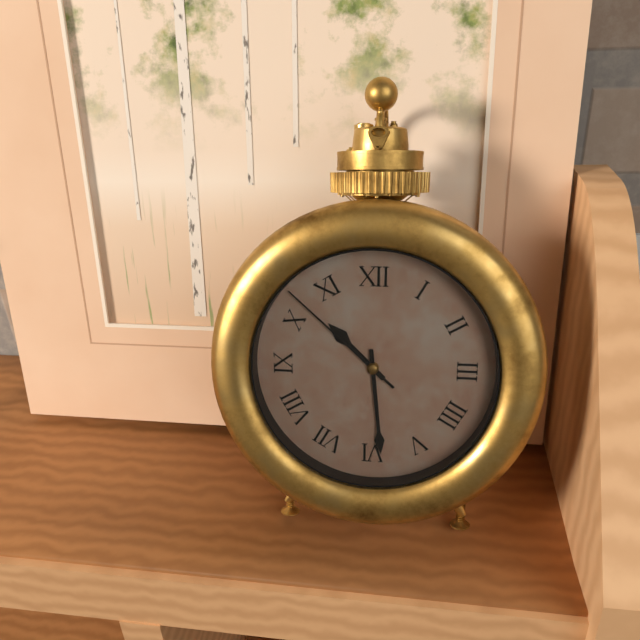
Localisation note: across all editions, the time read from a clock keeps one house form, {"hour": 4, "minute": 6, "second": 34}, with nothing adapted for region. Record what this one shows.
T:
{"hour": 10, "minute": 29, "second": 52}
